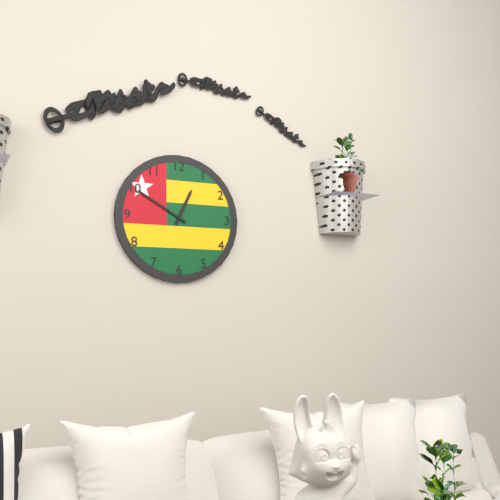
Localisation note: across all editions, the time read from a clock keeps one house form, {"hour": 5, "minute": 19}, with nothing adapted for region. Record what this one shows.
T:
{"hour": 12, "minute": 50}
